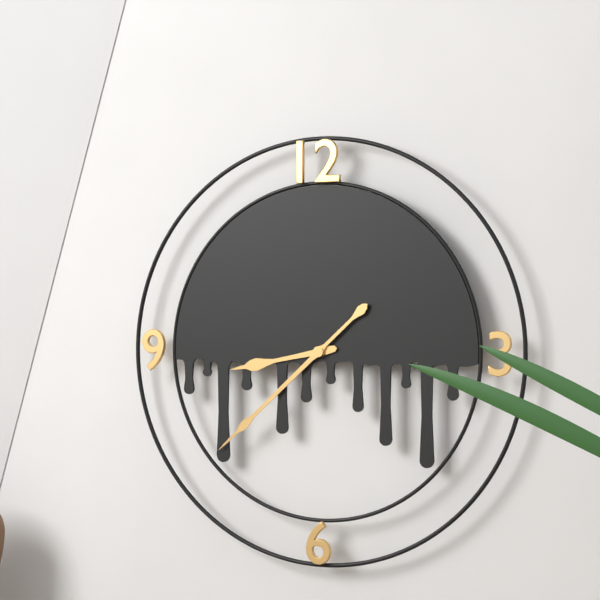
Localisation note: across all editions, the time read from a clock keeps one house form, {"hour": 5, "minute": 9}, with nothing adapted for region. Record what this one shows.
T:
{"hour": 8, "minute": 38}
